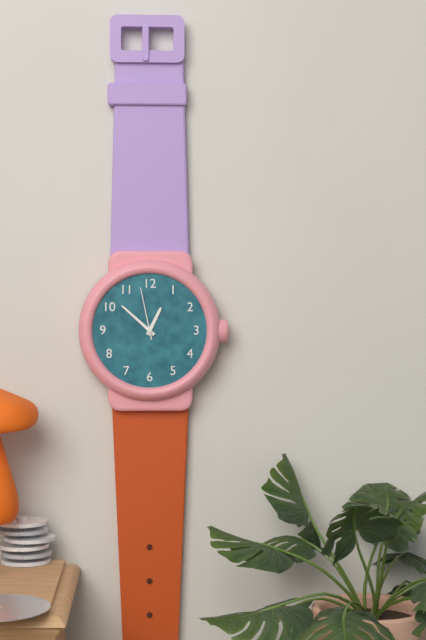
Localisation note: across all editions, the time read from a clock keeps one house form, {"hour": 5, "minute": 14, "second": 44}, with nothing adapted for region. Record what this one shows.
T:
{"hour": 12, "minute": 52, "second": 58}
